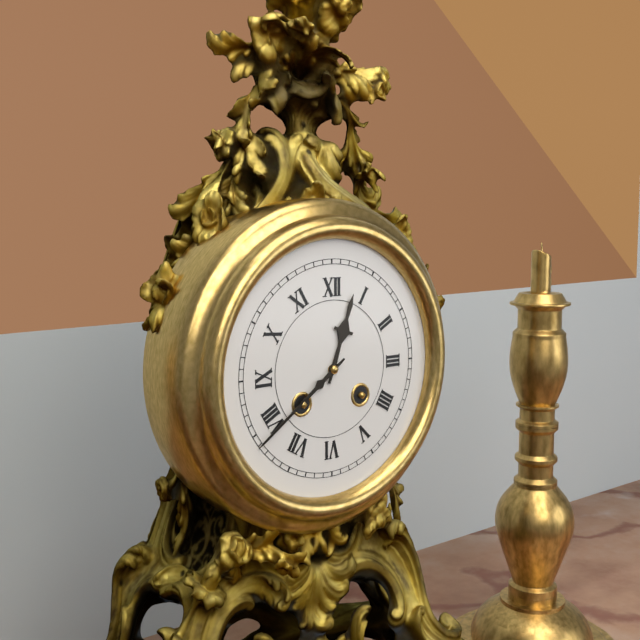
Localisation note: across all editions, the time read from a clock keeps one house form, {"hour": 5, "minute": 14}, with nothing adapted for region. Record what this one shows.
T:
{"hour": 12, "minute": 39}
